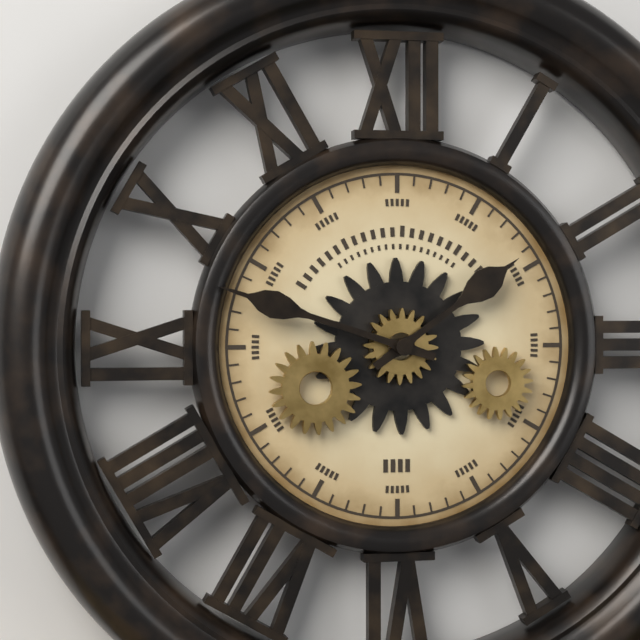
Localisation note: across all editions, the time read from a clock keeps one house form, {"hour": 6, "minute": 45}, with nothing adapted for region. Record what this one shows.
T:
{"hour": 1, "minute": 48}
